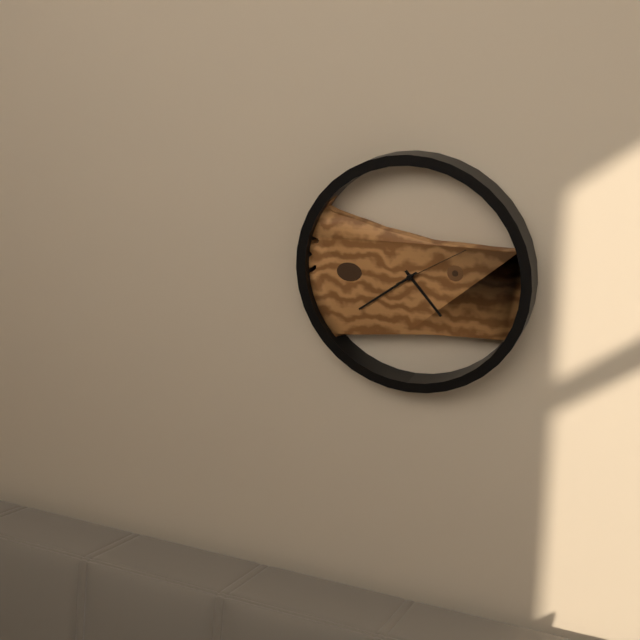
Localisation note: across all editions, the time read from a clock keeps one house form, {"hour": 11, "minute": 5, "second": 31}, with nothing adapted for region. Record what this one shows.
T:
{"hour": 4, "minute": 39, "second": 10}
